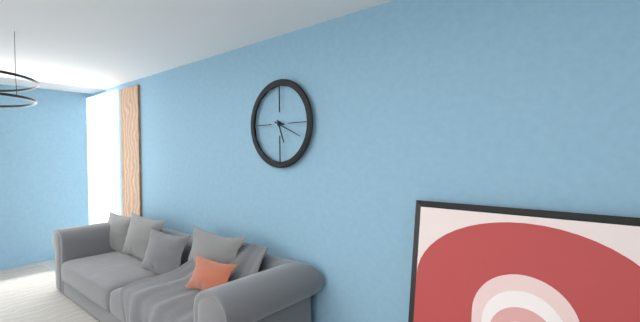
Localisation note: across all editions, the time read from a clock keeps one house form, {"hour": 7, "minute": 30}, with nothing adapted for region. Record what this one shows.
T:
{"hour": 5, "minute": 19}
